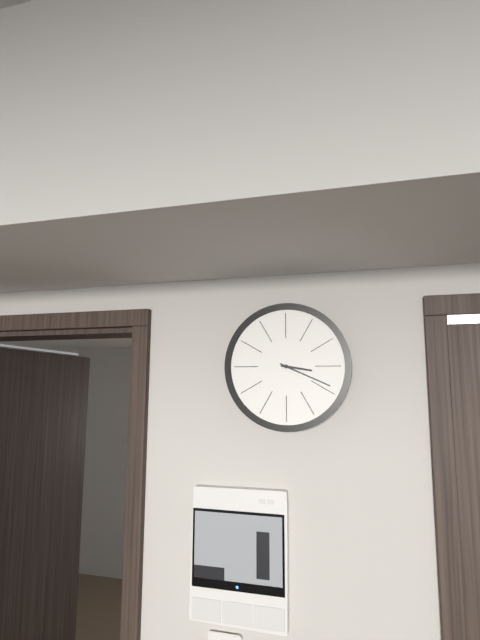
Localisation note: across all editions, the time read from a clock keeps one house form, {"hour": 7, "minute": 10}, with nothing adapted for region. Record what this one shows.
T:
{"hour": 3, "minute": 19}
